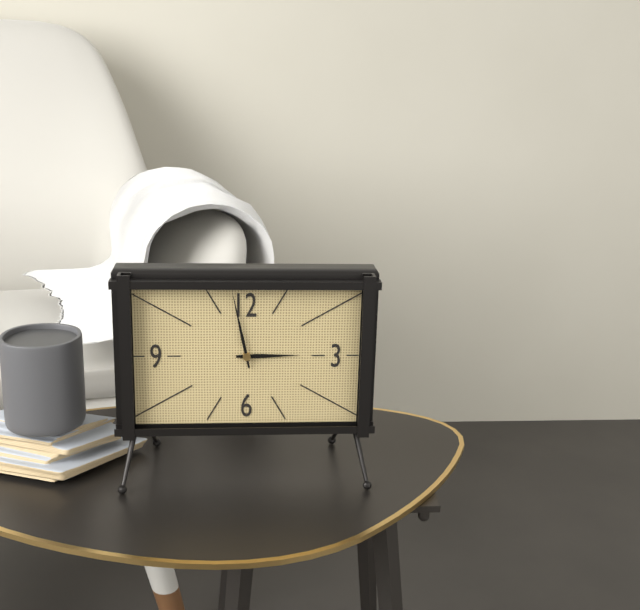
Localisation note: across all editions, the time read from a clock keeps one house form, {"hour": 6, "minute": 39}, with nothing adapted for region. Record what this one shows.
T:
{"hour": 2, "minute": 58}
